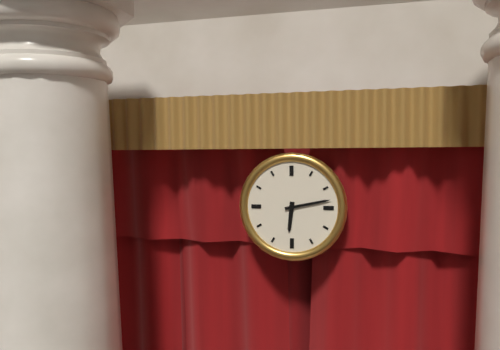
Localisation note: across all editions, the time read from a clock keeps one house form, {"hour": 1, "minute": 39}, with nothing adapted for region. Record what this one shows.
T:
{"hour": 6, "minute": 13}
